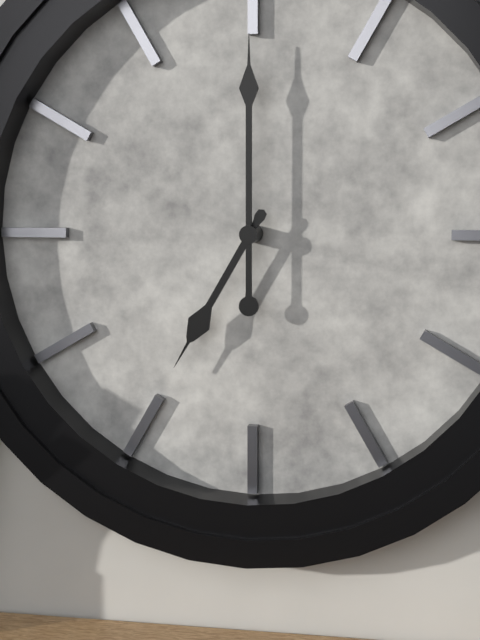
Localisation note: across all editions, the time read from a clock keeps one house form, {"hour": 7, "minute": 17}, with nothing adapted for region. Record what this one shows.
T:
{"hour": 7, "minute": 0}
